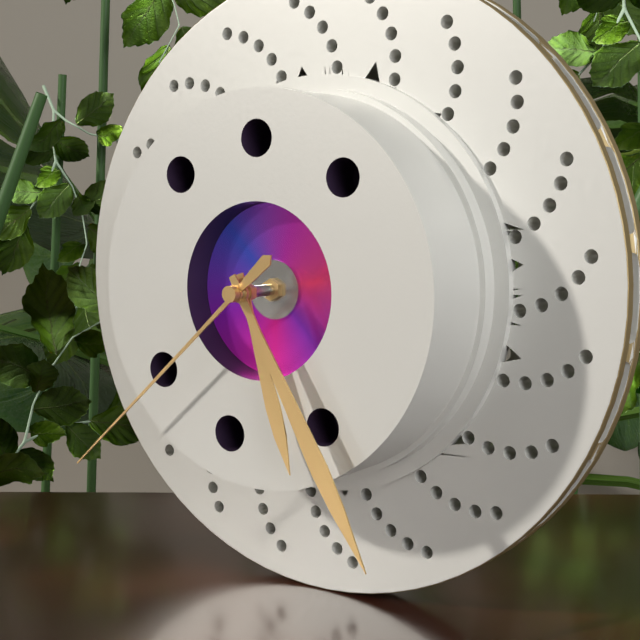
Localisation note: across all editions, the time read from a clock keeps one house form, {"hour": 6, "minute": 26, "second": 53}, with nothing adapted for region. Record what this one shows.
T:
{"hour": 5, "minute": 25, "second": 38}
